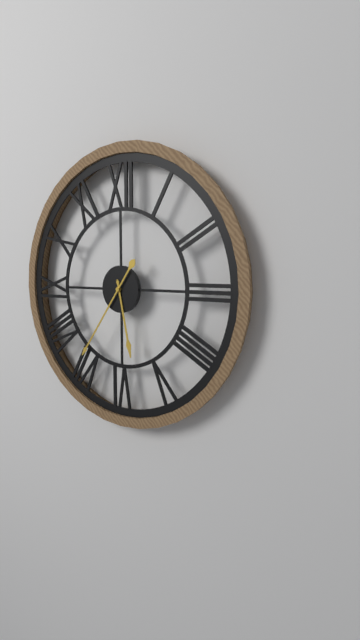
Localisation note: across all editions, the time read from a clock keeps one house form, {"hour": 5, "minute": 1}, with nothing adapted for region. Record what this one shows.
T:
{"hour": 5, "minute": 36}
